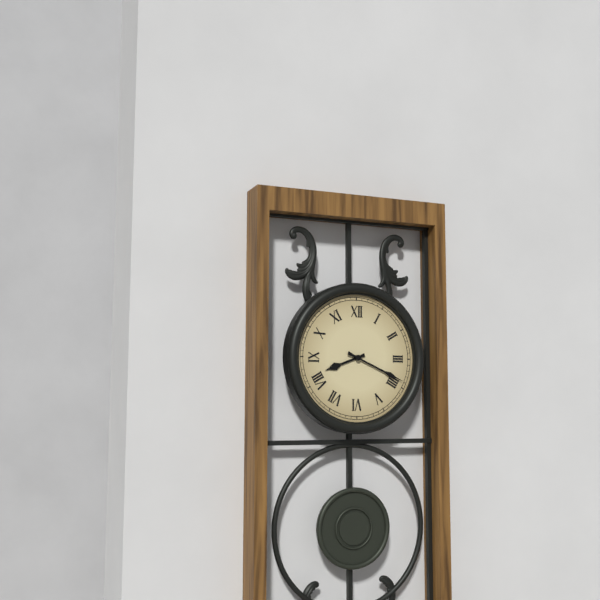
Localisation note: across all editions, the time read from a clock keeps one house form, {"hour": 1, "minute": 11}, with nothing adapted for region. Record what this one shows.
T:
{"hour": 8, "minute": 19}
